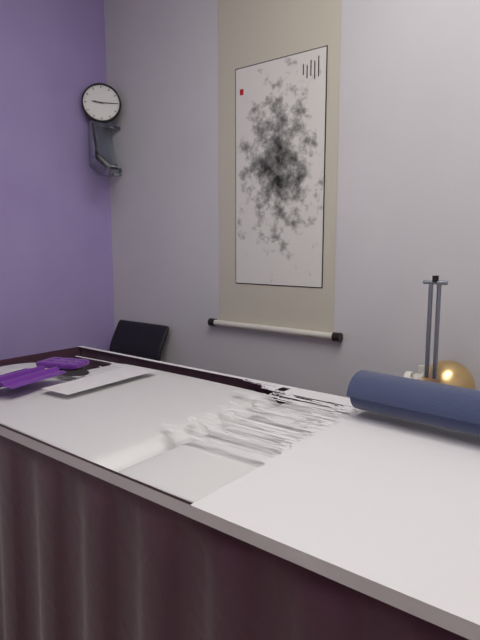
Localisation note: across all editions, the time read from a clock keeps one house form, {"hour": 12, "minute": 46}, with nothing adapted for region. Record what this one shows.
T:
{"hour": 9, "minute": 15}
